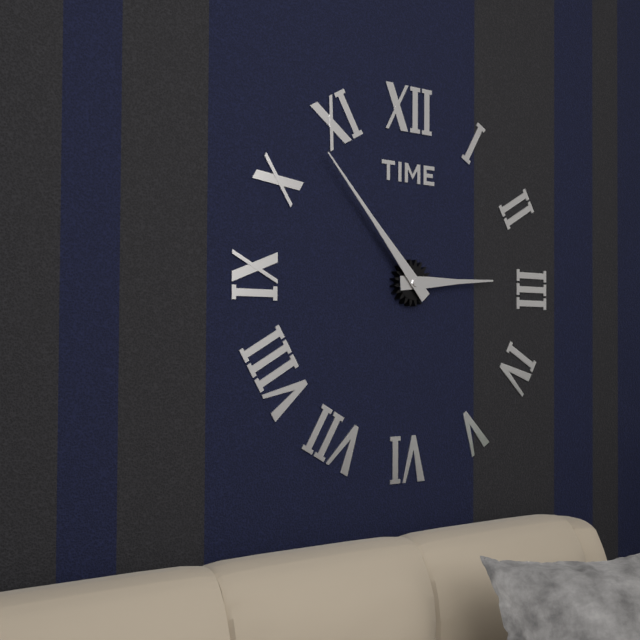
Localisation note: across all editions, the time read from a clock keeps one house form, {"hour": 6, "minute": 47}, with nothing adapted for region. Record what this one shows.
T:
{"hour": 2, "minute": 53}
